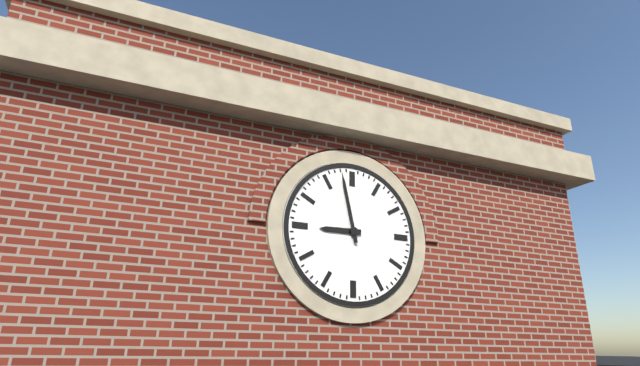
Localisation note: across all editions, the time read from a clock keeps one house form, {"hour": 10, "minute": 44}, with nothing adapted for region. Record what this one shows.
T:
{"hour": 8, "minute": 58}
